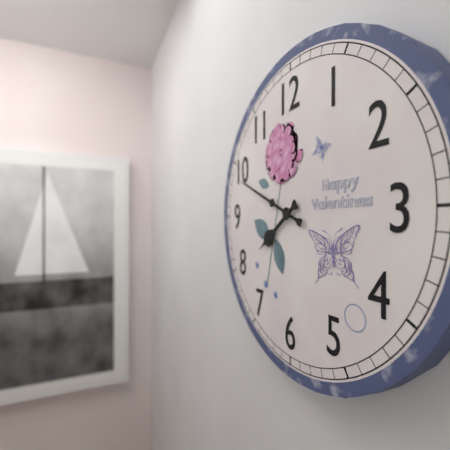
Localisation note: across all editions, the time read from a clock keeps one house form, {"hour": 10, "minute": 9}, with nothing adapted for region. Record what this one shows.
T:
{"hour": 7, "minute": 49}
